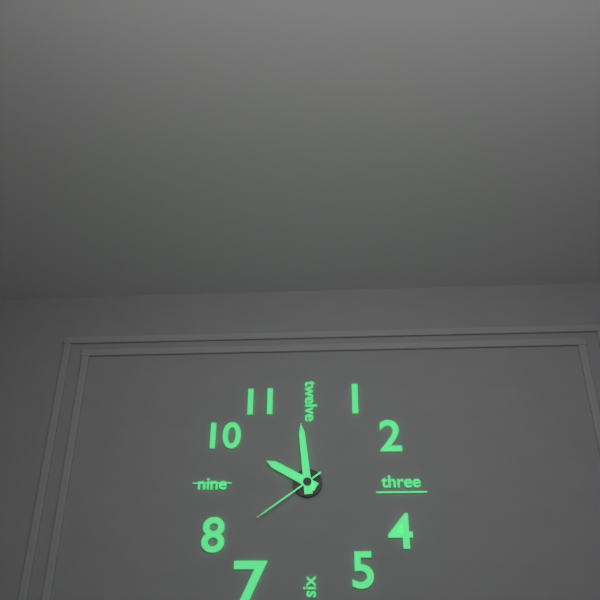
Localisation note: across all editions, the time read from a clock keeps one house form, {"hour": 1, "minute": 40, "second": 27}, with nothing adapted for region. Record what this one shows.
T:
{"hour": 9, "minute": 59, "second": 39}
